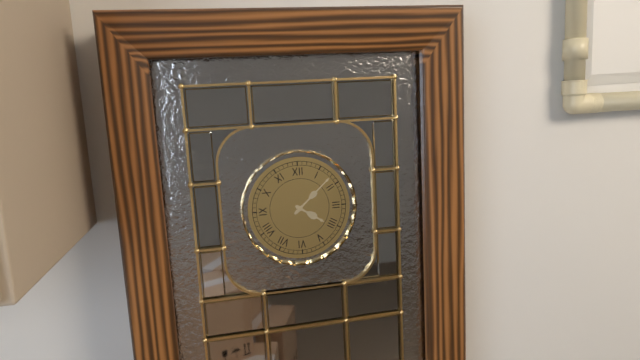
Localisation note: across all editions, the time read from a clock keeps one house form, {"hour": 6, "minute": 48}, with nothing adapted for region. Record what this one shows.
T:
{"hour": 4, "minute": 8}
